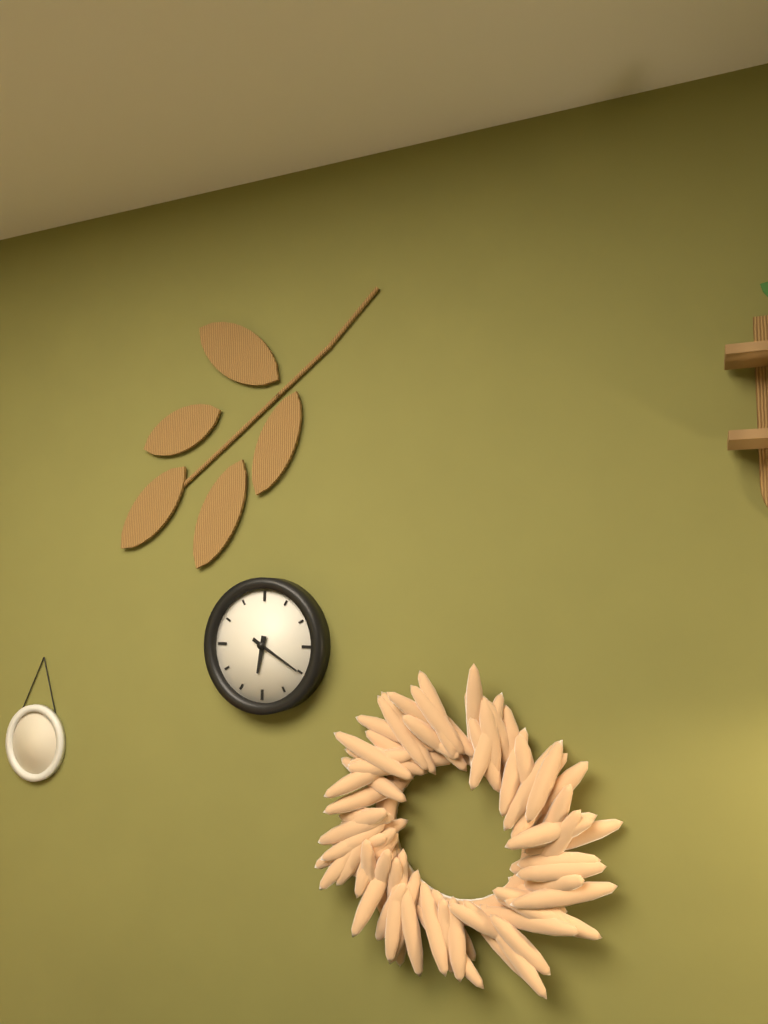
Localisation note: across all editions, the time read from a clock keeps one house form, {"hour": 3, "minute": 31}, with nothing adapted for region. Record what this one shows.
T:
{"hour": 6, "minute": 20}
